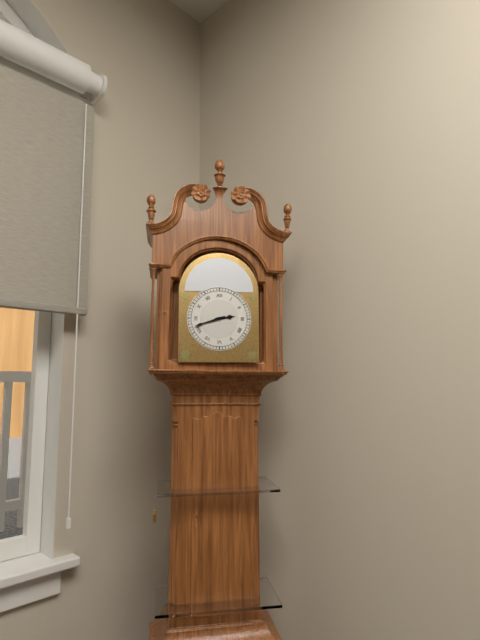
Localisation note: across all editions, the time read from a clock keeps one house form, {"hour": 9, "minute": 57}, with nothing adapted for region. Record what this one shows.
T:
{"hour": 2, "minute": 42}
